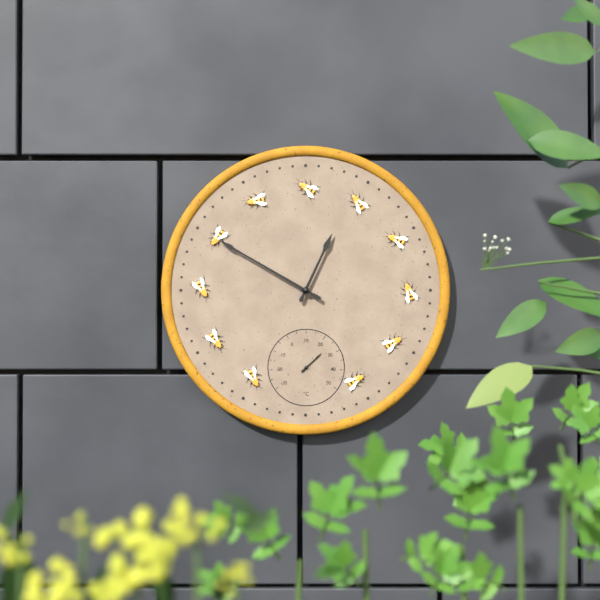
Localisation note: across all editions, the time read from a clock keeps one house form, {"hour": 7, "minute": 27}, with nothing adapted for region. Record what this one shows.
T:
{"hour": 12, "minute": 50}
